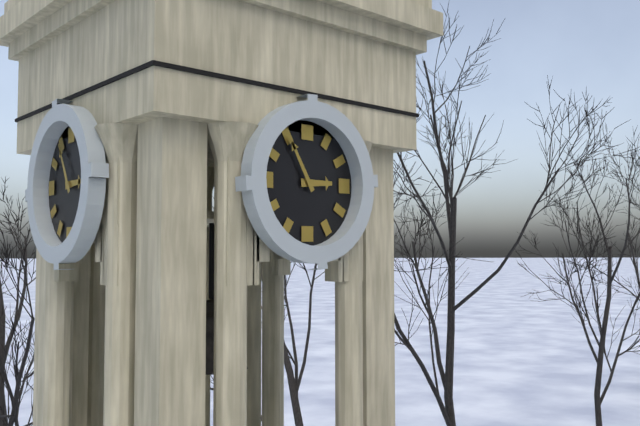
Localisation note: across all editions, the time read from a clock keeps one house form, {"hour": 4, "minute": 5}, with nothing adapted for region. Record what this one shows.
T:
{"hour": 2, "minute": 55}
